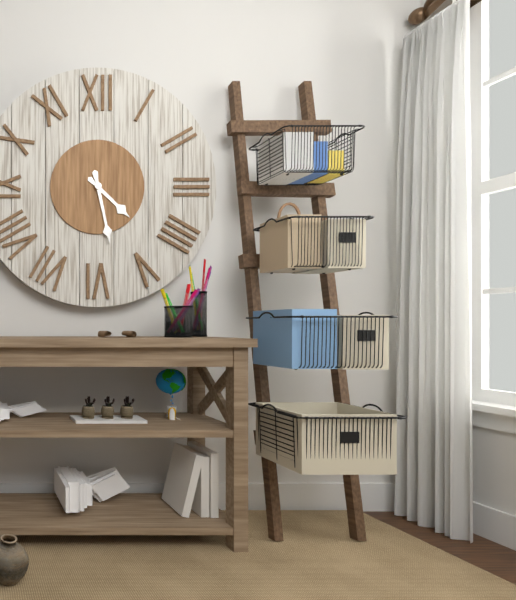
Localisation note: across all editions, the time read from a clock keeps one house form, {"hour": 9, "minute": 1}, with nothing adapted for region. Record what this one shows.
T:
{"hour": 4, "minute": 28}
